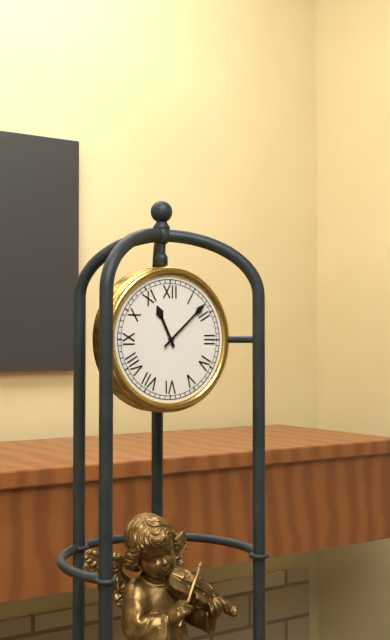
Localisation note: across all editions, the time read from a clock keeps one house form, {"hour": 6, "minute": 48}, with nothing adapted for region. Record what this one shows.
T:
{"hour": 11, "minute": 8}
